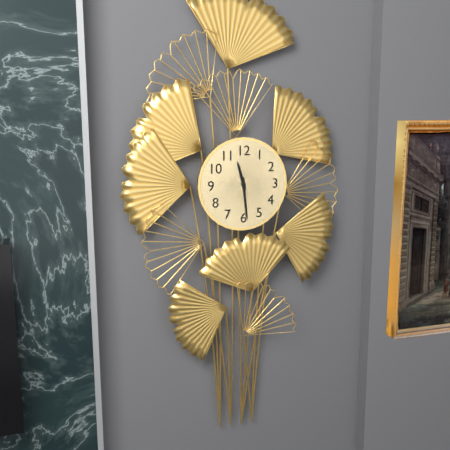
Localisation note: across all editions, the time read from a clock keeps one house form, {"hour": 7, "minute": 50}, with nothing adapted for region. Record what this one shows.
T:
{"hour": 11, "minute": 29}
